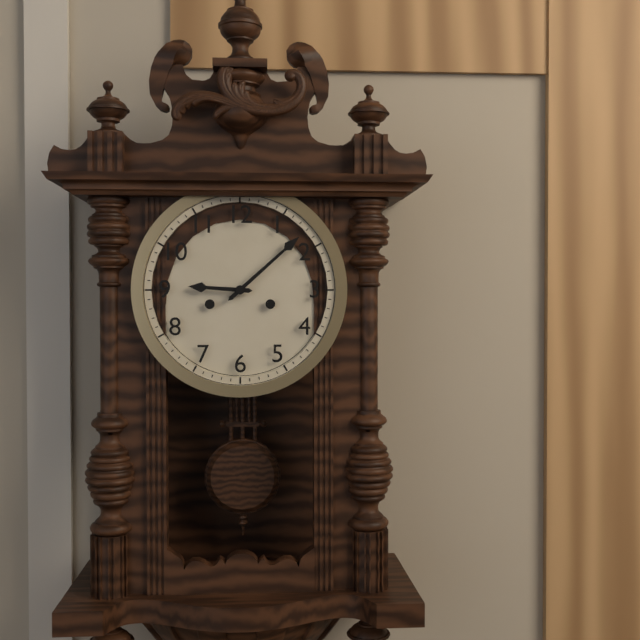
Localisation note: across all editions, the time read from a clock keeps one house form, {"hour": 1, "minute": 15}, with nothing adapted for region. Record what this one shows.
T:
{"hour": 9, "minute": 8}
